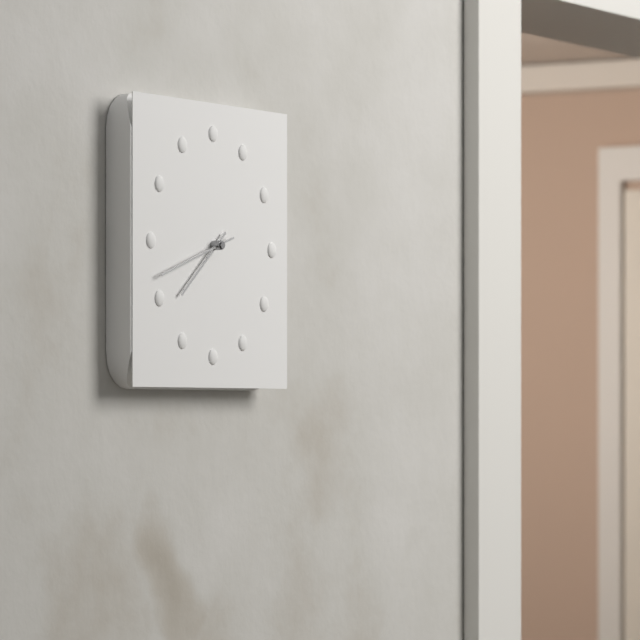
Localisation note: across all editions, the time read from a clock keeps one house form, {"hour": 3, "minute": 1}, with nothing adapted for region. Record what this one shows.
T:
{"hour": 7, "minute": 42}
